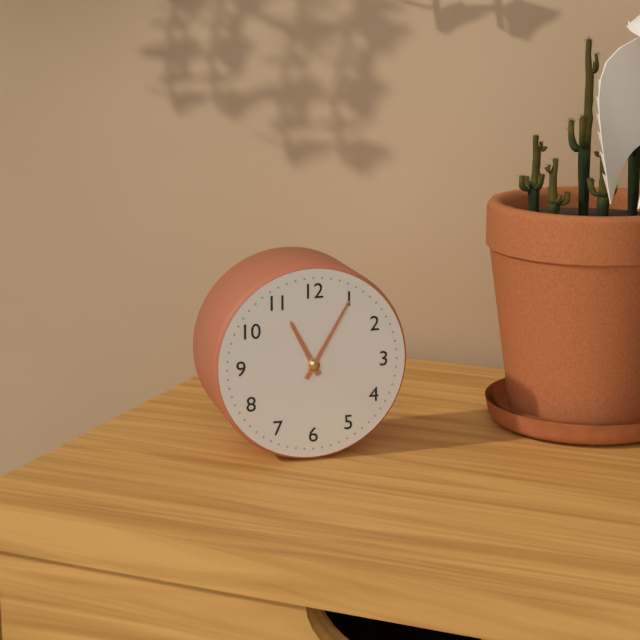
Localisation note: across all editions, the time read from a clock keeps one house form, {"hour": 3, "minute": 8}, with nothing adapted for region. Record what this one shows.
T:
{"hour": 11, "minute": 5}
